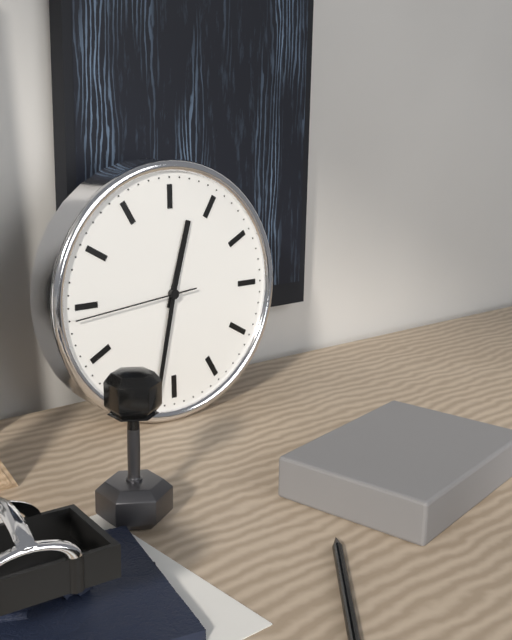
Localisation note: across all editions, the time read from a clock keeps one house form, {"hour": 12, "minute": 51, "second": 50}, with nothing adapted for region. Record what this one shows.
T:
{"hour": 12, "minute": 32, "second": 44}
